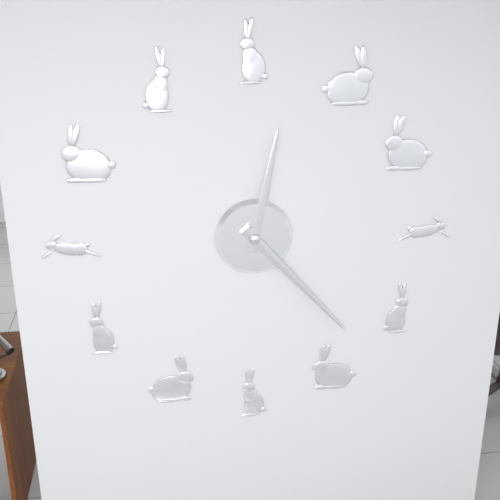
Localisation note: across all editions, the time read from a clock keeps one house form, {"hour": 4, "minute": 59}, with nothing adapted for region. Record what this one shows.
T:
{"hour": 12, "minute": 23}
